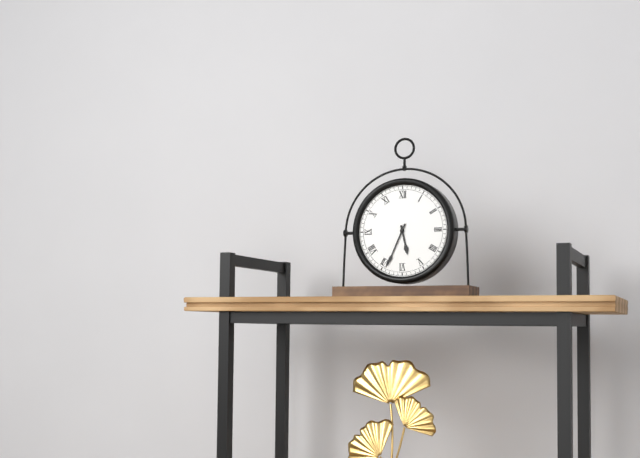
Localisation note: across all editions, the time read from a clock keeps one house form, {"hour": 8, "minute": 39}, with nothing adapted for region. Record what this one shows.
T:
{"hour": 5, "minute": 34}
